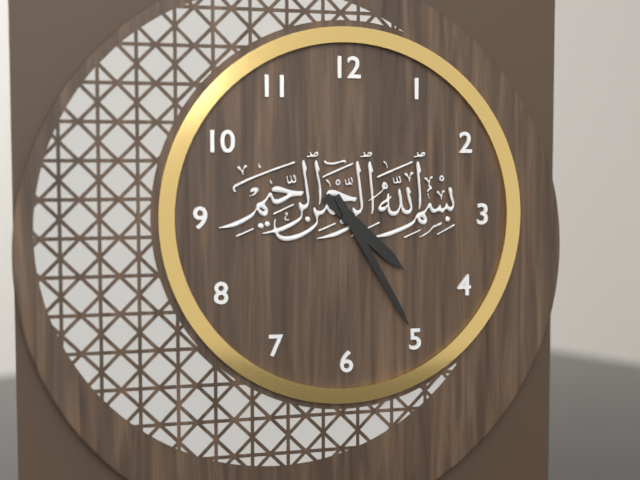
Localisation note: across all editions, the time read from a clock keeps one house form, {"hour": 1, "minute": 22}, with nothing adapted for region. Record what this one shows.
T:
{"hour": 4, "minute": 25}
